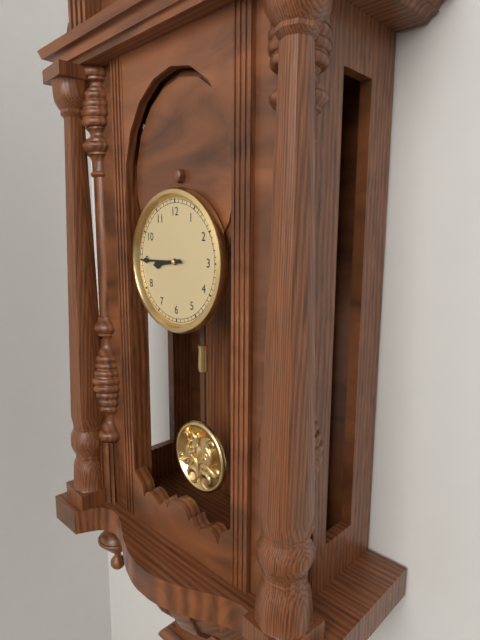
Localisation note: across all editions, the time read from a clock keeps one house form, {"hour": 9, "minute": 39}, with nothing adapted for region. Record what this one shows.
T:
{"hour": 8, "minute": 45}
